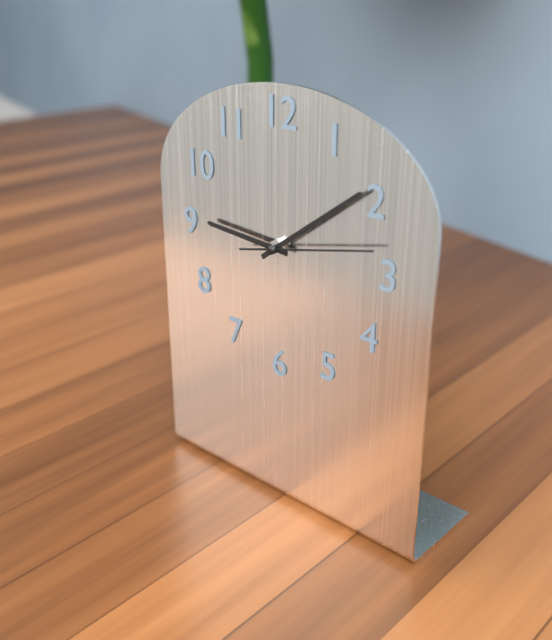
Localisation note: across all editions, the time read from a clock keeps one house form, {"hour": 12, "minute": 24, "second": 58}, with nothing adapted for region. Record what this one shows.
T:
{"hour": 9, "minute": 9, "second": 13}
